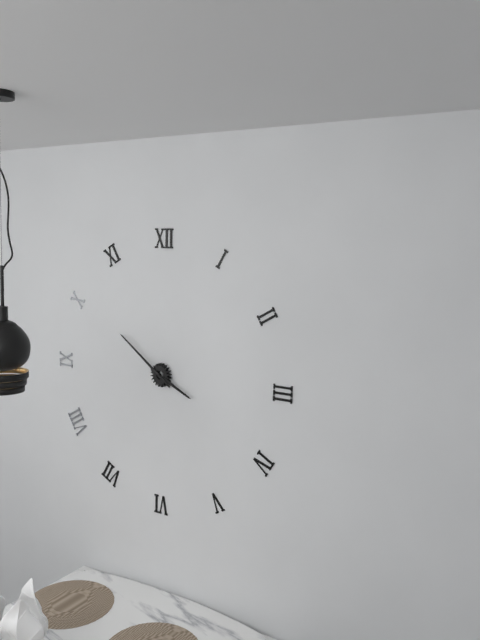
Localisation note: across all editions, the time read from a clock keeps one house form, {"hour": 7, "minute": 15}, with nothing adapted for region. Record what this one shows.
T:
{"hour": 3, "minute": 51}
